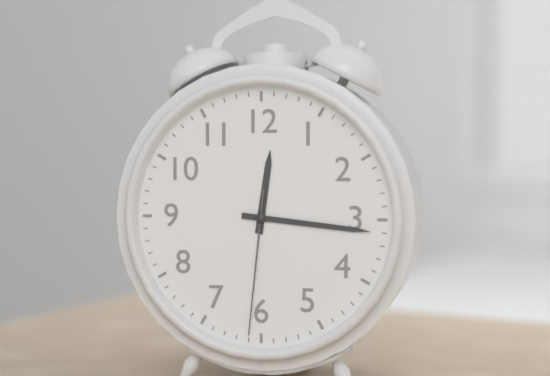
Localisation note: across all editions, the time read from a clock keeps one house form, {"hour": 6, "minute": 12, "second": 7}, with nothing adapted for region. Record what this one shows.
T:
{"hour": 12, "minute": 16, "second": 31}
